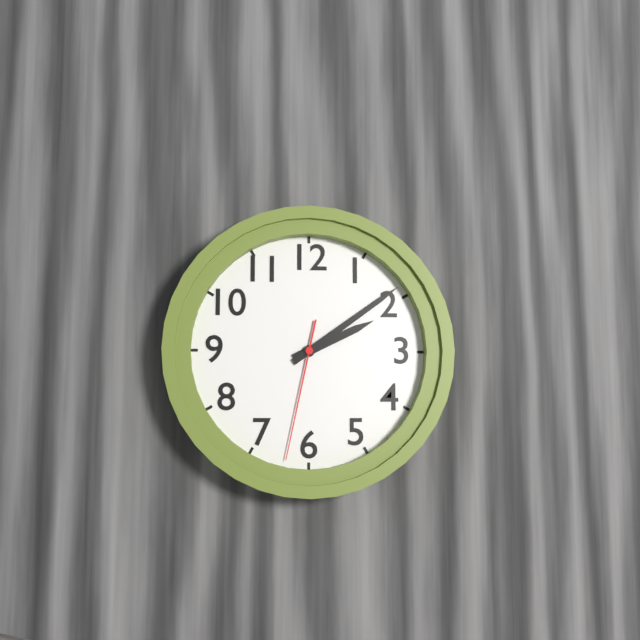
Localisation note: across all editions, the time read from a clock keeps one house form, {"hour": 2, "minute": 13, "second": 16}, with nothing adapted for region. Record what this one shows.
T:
{"hour": 2, "minute": 9, "second": 32}
